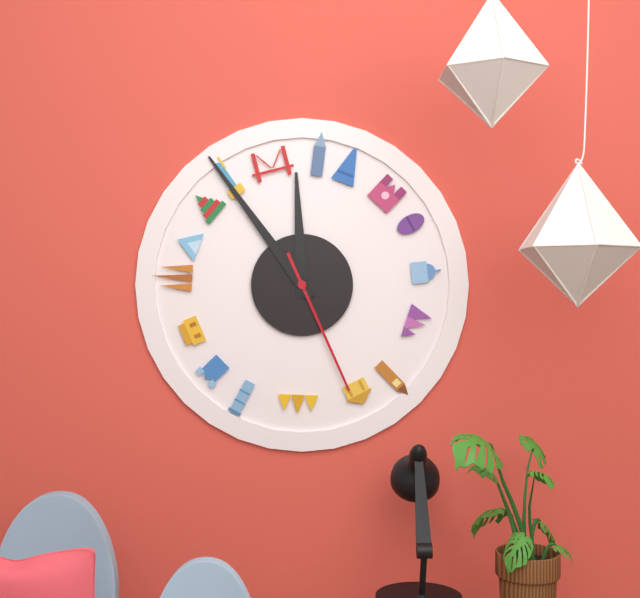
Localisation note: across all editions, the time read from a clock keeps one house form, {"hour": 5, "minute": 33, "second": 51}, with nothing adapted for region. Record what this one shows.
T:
{"hour": 11, "minute": 54, "second": 26}
